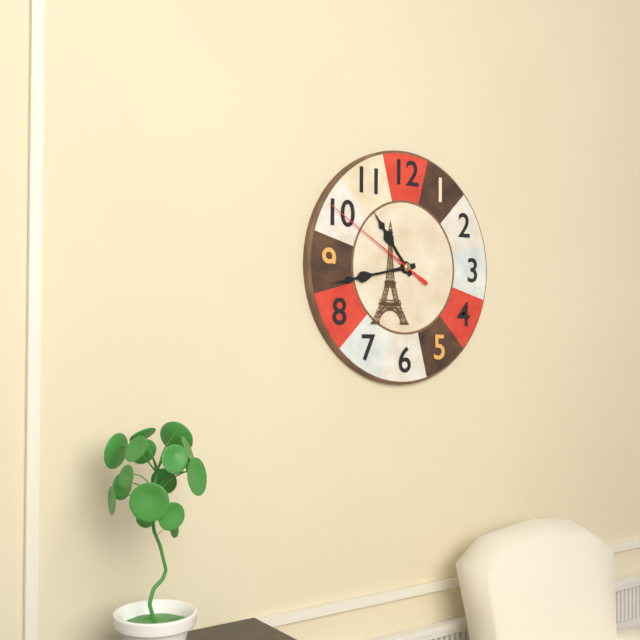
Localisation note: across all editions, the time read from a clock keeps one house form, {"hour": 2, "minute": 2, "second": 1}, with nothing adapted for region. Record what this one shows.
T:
{"hour": 10, "minute": 43, "second": 50}
